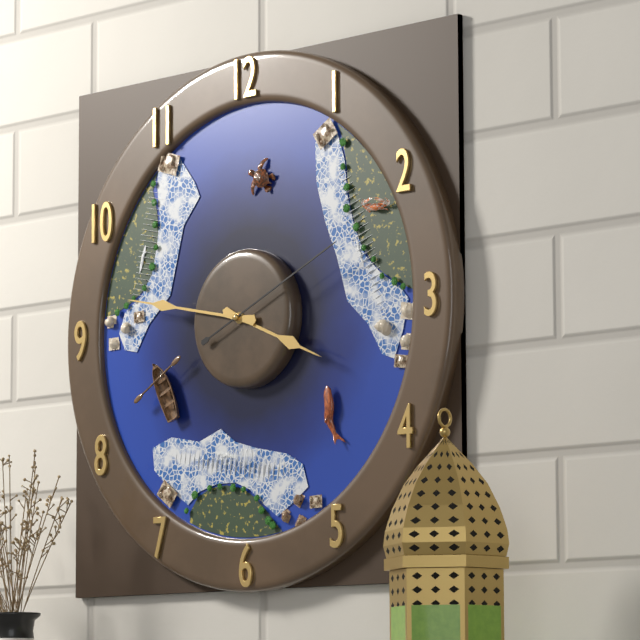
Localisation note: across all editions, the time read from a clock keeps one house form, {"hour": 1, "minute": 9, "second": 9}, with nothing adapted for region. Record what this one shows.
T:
{"hour": 3, "minute": 47, "second": 11}
